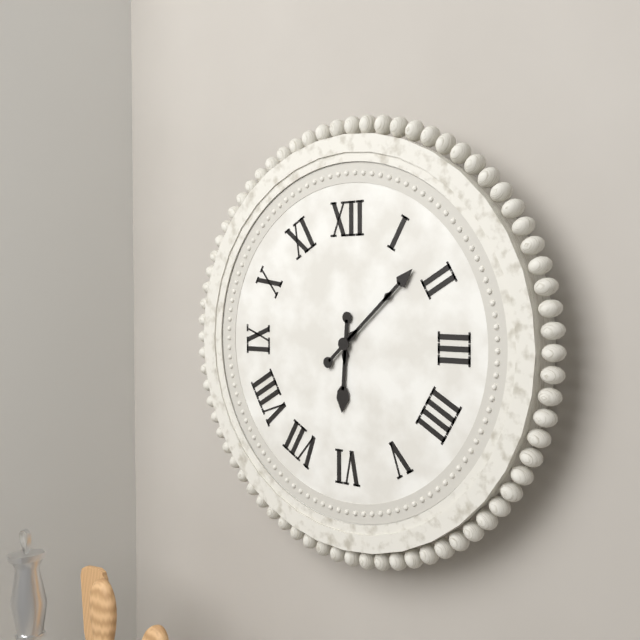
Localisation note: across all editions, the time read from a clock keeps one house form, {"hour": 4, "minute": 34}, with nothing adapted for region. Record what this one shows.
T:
{"hour": 6, "minute": 8}
